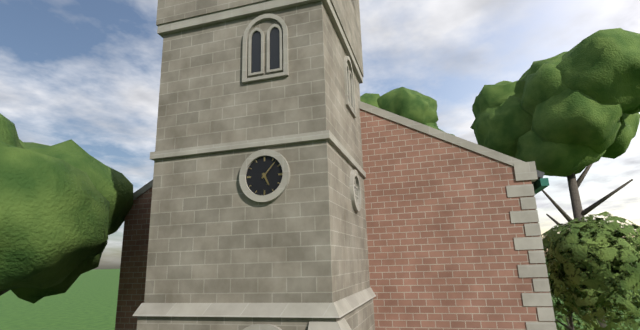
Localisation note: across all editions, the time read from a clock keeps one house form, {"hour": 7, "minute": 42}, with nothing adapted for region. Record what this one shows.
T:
{"hour": 5, "minute": 7}
